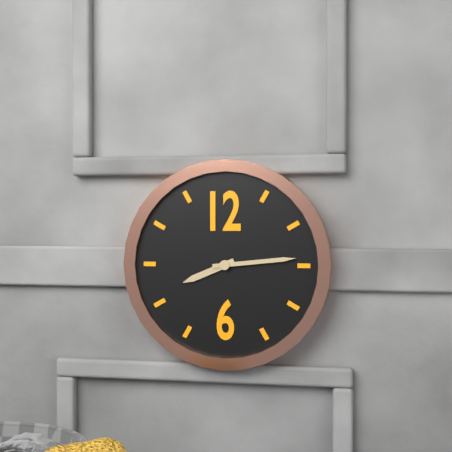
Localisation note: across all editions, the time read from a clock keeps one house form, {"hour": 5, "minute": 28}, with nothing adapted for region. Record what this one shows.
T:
{"hour": 8, "minute": 14}
